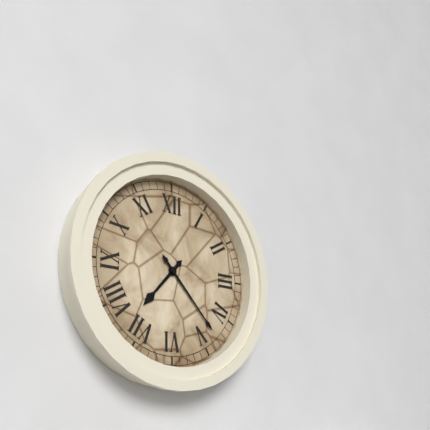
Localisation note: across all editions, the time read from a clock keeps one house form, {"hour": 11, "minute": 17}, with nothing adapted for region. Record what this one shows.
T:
{"hour": 7, "minute": 23}
